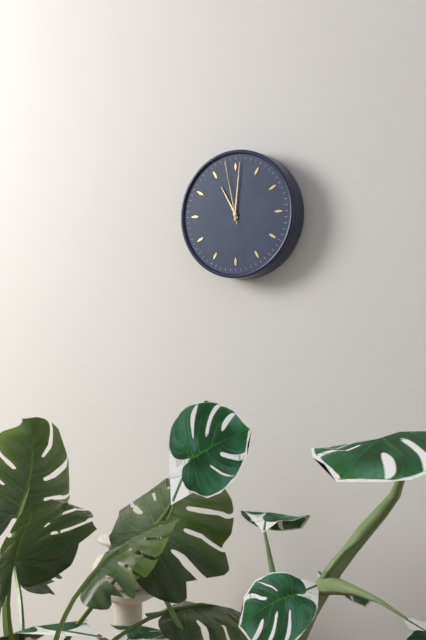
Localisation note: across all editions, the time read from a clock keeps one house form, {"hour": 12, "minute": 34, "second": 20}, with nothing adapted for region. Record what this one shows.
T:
{"hour": 11, "minute": 1, "second": 58}
